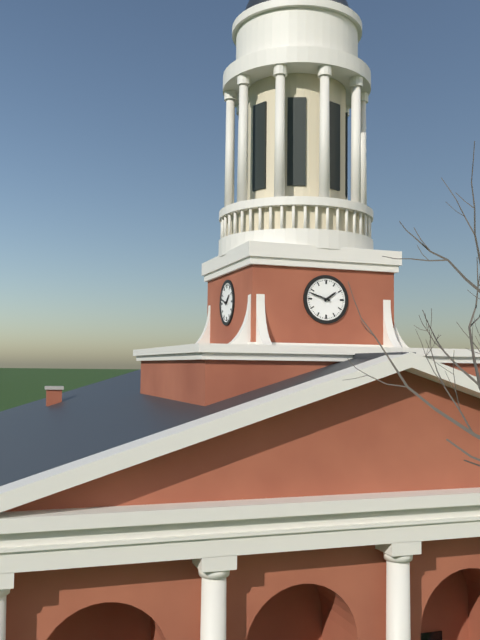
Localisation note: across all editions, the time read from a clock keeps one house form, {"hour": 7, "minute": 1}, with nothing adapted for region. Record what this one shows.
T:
{"hour": 1, "minute": 48}
